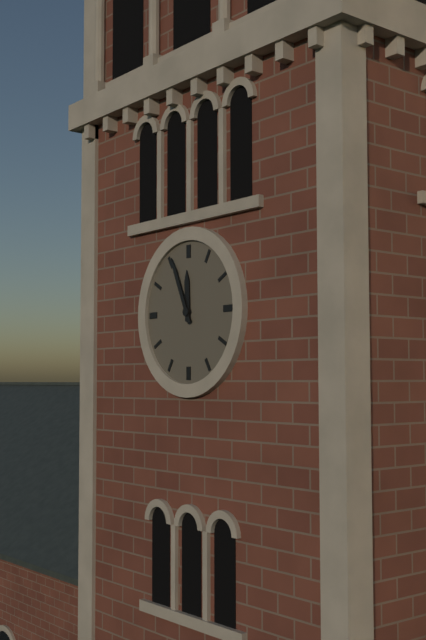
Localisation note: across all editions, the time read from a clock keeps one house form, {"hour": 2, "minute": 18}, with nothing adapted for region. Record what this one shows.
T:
{"hour": 11, "minute": 56}
